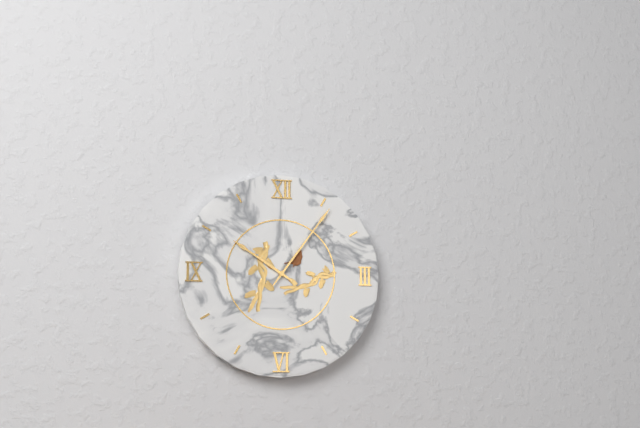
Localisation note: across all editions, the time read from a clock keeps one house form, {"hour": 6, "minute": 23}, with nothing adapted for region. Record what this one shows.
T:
{"hour": 10, "minute": 6}
